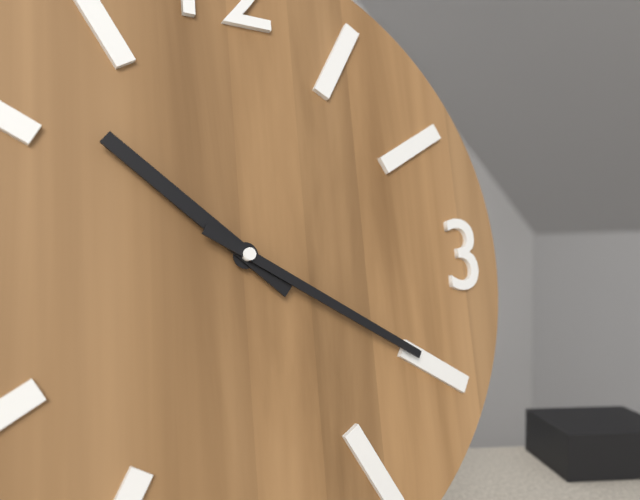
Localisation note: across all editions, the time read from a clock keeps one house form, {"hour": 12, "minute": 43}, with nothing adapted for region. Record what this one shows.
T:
{"hour": 10, "minute": 20}
